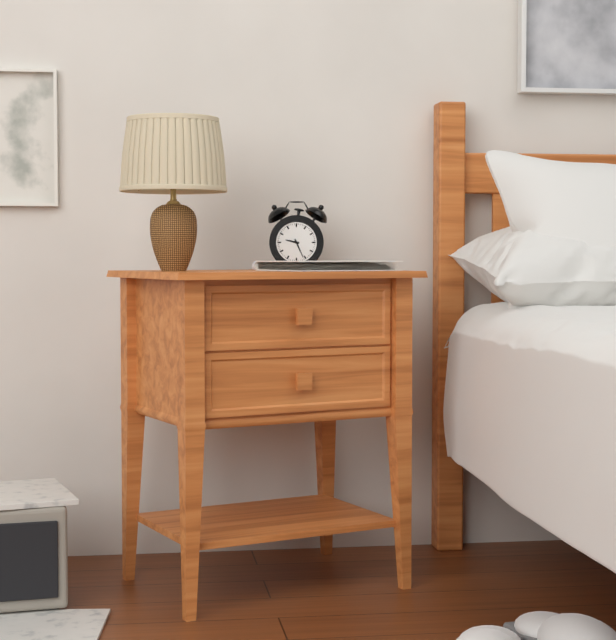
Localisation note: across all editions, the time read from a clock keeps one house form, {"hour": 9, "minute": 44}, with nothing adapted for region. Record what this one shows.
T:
{"hour": 9, "minute": 26}
